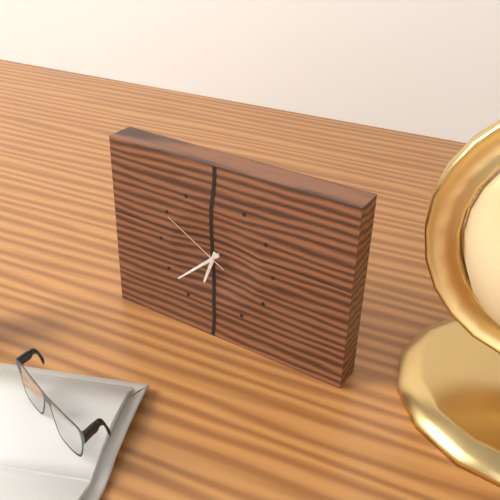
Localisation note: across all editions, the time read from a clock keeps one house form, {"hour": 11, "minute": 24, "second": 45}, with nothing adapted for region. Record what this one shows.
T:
{"hour": 6, "minute": 38, "second": 50}
